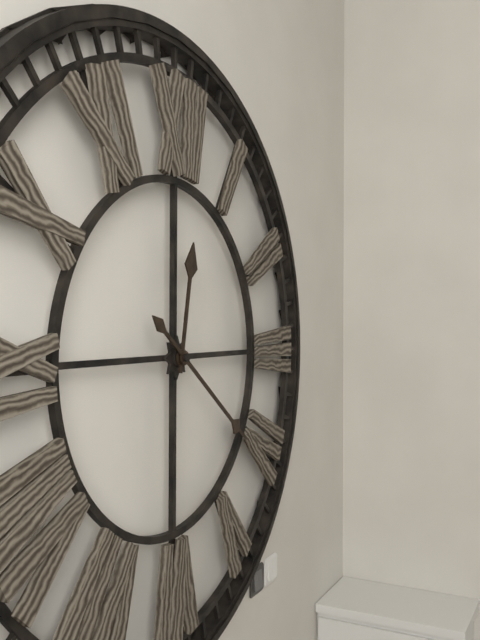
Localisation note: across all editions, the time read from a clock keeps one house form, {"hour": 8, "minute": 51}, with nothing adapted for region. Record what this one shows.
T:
{"hour": 12, "minute": 21}
